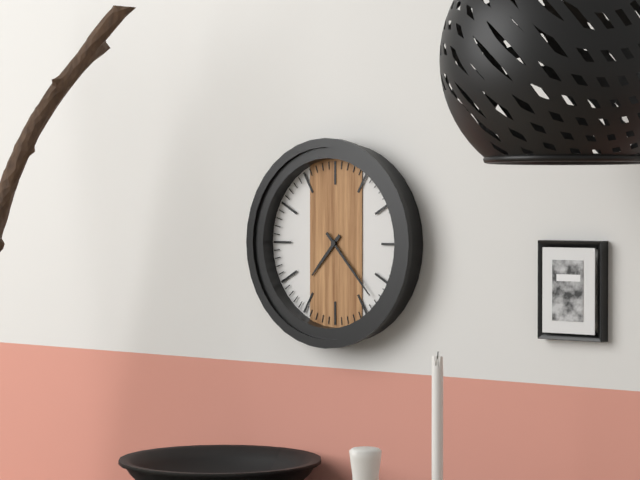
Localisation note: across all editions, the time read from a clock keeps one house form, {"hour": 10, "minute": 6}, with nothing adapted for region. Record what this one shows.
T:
{"hour": 7, "minute": 23}
